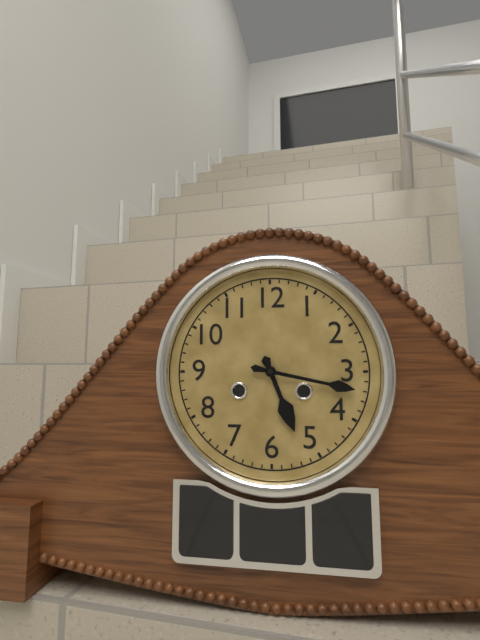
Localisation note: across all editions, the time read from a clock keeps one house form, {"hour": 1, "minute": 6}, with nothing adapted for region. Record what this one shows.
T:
{"hour": 5, "minute": 17}
